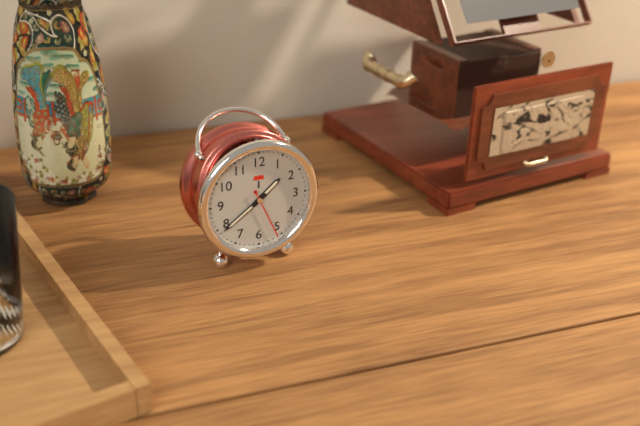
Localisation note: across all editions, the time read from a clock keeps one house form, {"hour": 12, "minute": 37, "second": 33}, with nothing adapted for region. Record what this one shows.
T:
{"hour": 1, "minute": 39, "second": 26}
